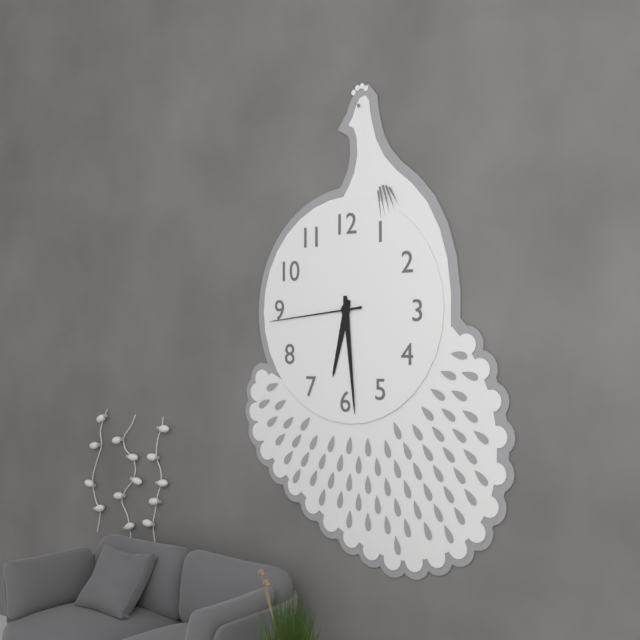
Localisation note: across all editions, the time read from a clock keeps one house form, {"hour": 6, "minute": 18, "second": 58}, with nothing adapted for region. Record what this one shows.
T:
{"hour": 6, "minute": 29, "second": 44}
